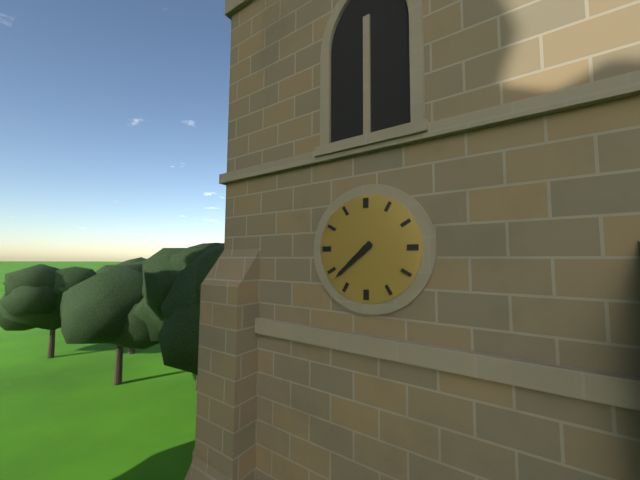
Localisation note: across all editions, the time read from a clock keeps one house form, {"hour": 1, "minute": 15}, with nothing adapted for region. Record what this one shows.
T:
{"hour": 7, "minute": 38}
